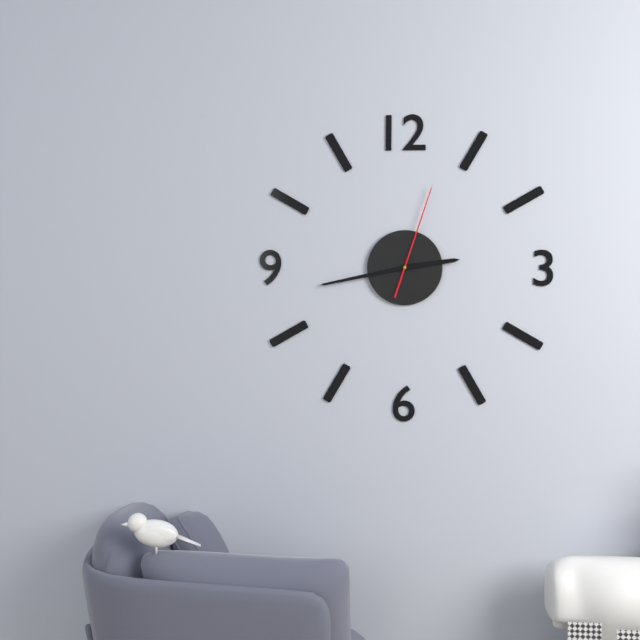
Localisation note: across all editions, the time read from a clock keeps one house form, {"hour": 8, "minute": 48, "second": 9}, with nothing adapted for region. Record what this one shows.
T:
{"hour": 2, "minute": 43, "second": 3}
